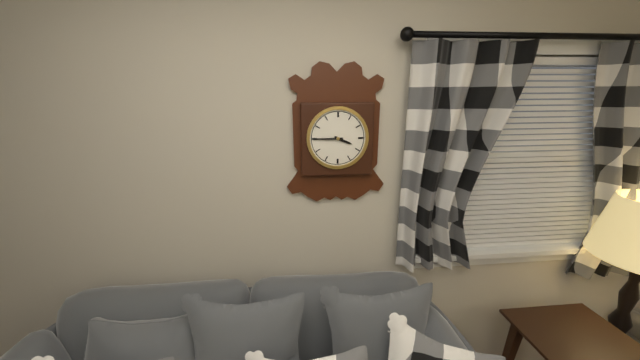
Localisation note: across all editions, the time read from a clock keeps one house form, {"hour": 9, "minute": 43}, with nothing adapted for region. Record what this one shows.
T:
{"hour": 3, "minute": 45}
